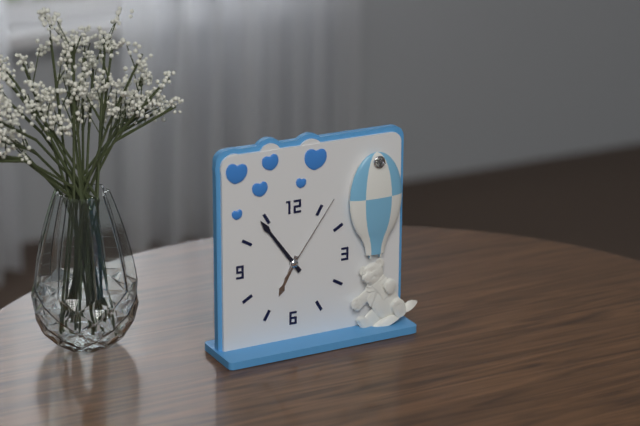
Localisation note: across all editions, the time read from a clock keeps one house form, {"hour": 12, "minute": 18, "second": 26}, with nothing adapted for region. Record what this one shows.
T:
{"hour": 6, "minute": 54, "second": 6}
